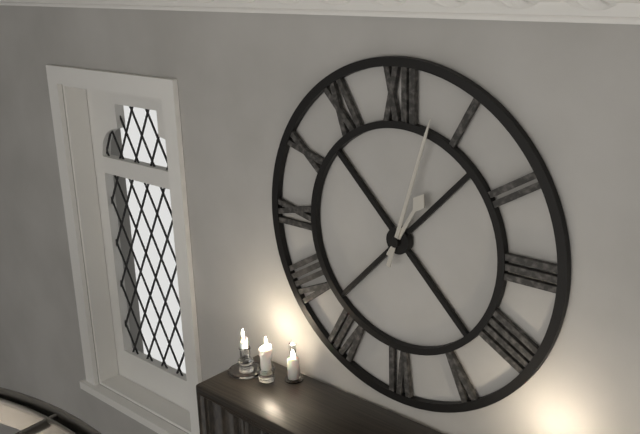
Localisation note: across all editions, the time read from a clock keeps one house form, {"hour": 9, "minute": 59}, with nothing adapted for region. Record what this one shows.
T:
{"hour": 1, "minute": 3}
